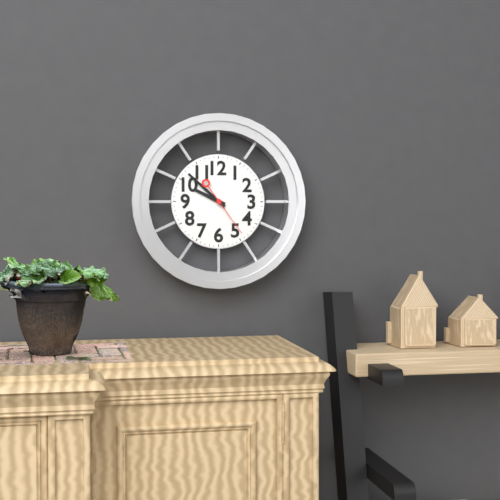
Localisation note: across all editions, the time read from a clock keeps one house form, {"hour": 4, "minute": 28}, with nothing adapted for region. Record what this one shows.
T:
{"hour": 9, "minute": 52}
